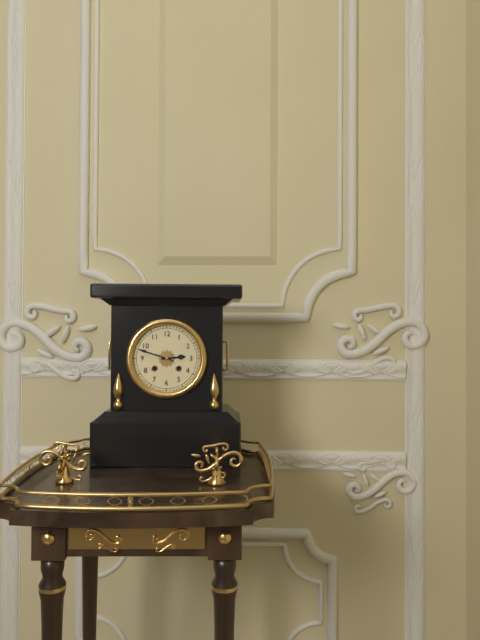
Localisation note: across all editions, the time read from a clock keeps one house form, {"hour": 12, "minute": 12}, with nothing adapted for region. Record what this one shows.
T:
{"hour": 2, "minute": 48}
